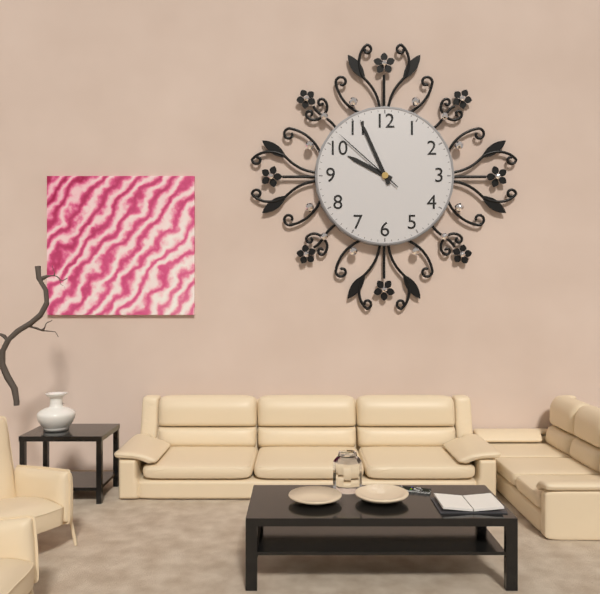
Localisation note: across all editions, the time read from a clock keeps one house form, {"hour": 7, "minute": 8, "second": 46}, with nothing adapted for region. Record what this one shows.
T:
{"hour": 9, "minute": 56, "second": 52}
